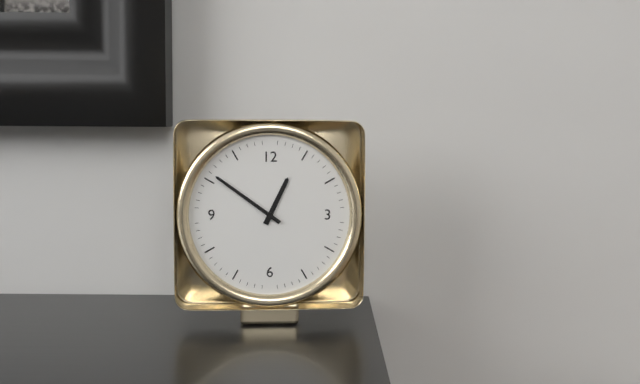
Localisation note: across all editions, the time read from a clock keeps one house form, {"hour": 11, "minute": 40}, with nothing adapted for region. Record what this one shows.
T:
{"hour": 12, "minute": 51}
